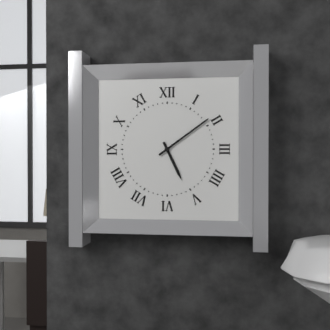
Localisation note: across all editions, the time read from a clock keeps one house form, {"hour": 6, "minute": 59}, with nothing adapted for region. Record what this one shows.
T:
{"hour": 5, "minute": 9}
